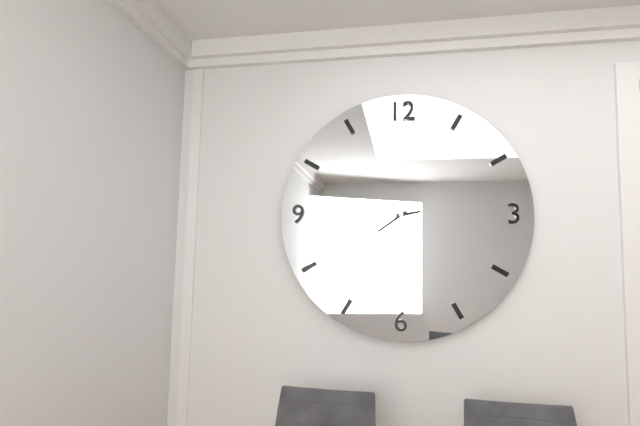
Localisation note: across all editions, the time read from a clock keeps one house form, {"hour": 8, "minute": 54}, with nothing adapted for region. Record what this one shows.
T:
{"hour": 2, "minute": 39}
